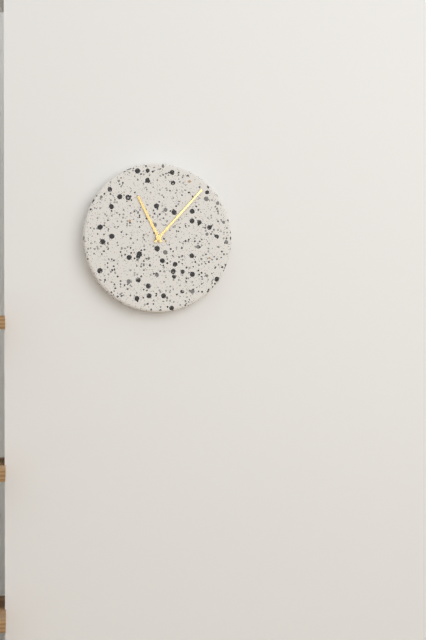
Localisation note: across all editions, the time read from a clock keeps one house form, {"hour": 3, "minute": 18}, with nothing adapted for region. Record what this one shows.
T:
{"hour": 11, "minute": 7}
